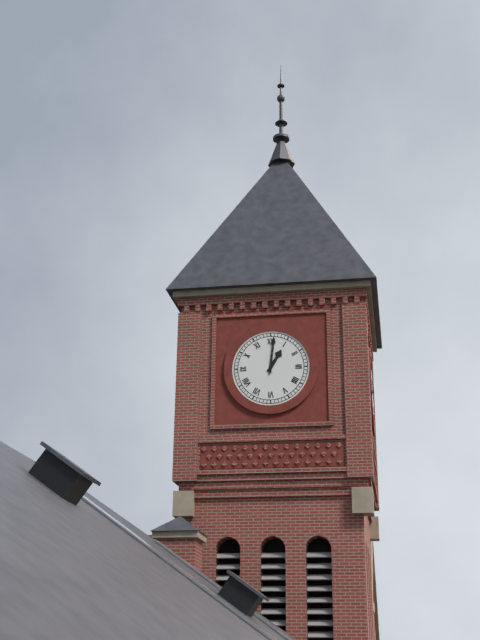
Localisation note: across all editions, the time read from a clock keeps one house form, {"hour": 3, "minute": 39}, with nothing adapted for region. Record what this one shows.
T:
{"hour": 1, "minute": 1}
